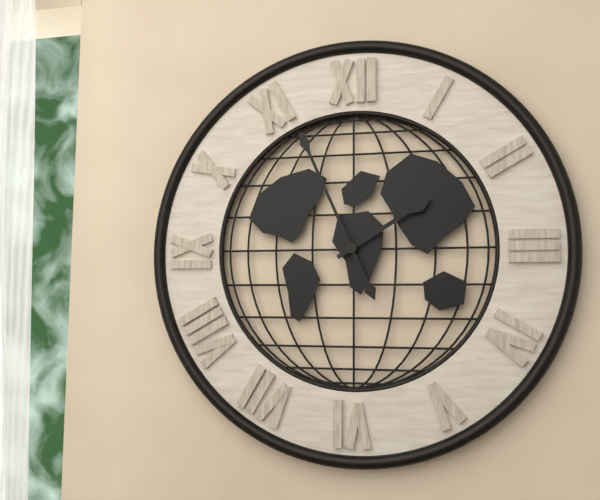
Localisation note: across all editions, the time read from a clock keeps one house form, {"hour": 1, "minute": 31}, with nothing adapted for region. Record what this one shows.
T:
{"hour": 1, "minute": 56}
